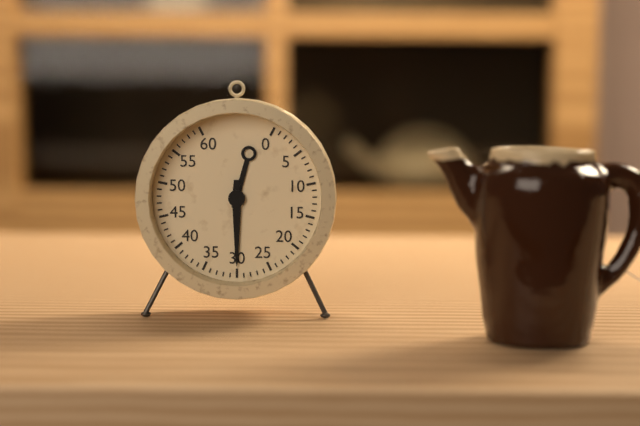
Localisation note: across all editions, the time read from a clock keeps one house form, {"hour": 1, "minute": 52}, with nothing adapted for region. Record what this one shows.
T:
{"hour": 12, "minute": 30}
